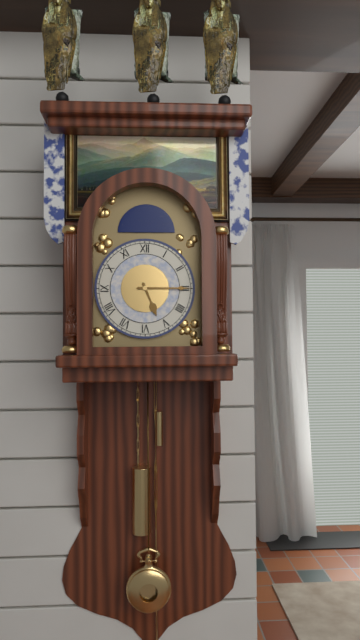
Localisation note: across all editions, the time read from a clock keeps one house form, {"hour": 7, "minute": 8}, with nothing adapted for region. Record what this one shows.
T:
{"hour": 5, "minute": 15}
